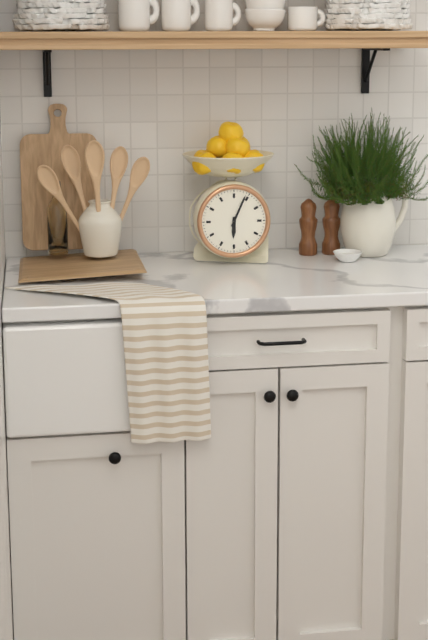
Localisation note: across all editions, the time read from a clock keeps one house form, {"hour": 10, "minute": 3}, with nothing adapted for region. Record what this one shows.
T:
{"hour": 6, "minute": 4}
